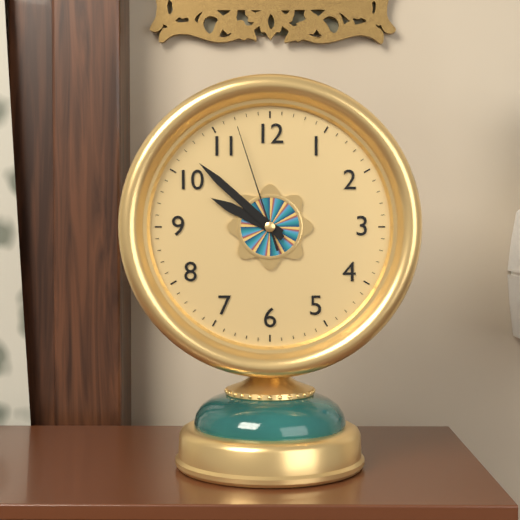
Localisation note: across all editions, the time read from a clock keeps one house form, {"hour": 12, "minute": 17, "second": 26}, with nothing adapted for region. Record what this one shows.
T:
{"hour": 9, "minute": 52, "second": 57}
